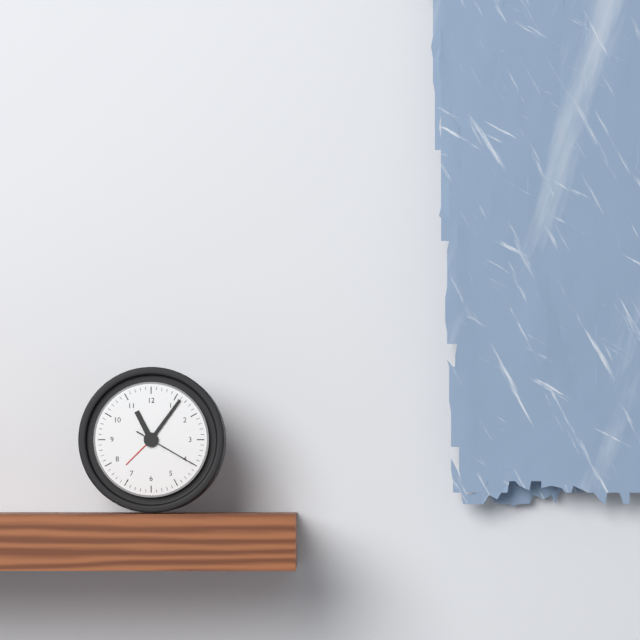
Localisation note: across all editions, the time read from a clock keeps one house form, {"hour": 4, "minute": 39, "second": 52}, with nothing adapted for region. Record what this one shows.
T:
{"hour": 11, "minute": 6, "second": 20}
